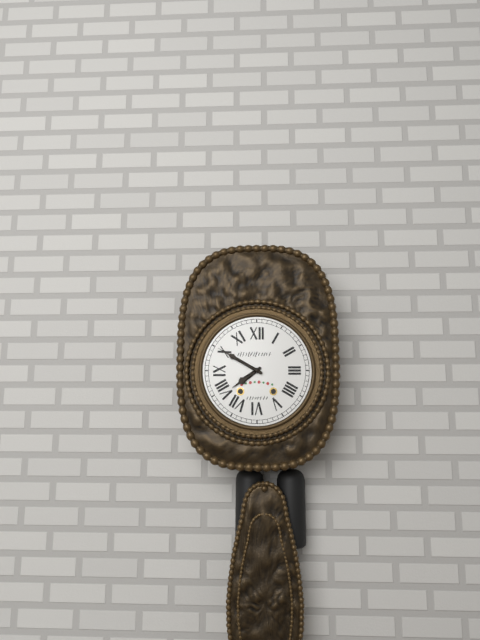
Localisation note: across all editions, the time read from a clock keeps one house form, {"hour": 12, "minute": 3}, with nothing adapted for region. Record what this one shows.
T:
{"hour": 7, "minute": 50}
